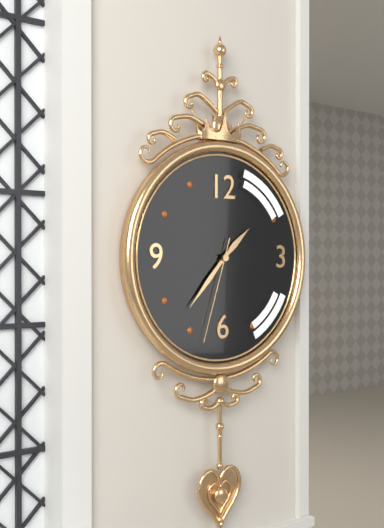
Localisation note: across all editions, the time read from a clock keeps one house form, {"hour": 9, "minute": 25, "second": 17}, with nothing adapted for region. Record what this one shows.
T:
{"hour": 1, "minute": 37, "second": 33}
